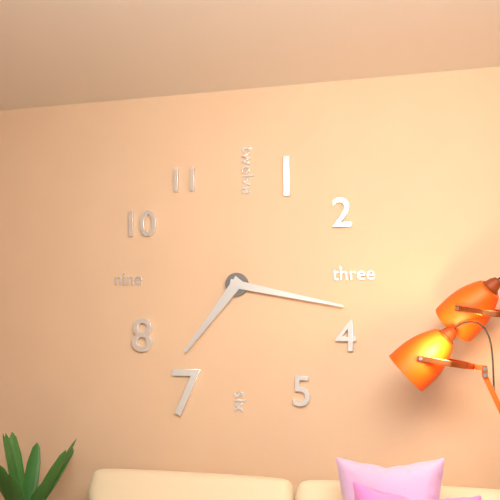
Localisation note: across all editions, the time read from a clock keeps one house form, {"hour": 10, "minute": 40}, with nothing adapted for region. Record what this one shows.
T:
{"hour": 7, "minute": 17}
